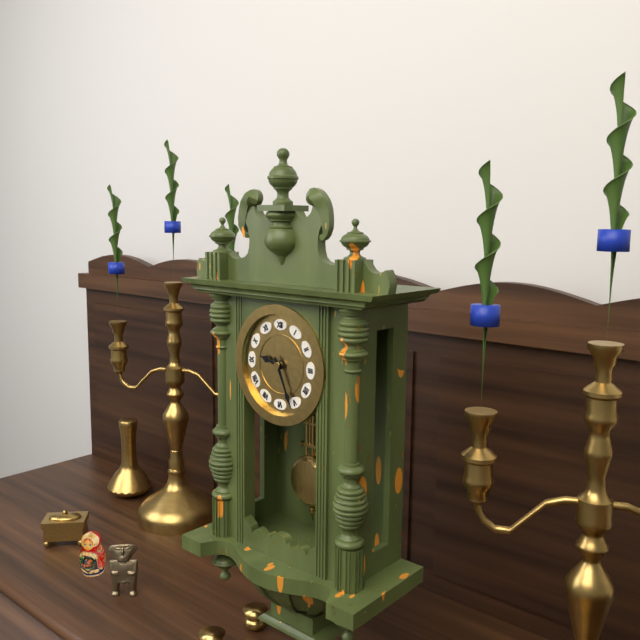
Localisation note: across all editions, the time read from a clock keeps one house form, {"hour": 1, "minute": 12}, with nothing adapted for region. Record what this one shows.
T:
{"hour": 9, "minute": 26}
